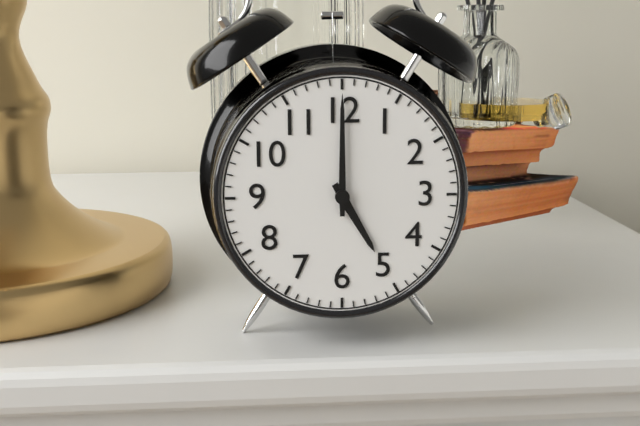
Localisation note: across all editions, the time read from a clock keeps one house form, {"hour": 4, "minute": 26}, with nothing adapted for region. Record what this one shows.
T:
{"hour": 5, "minute": 0}
